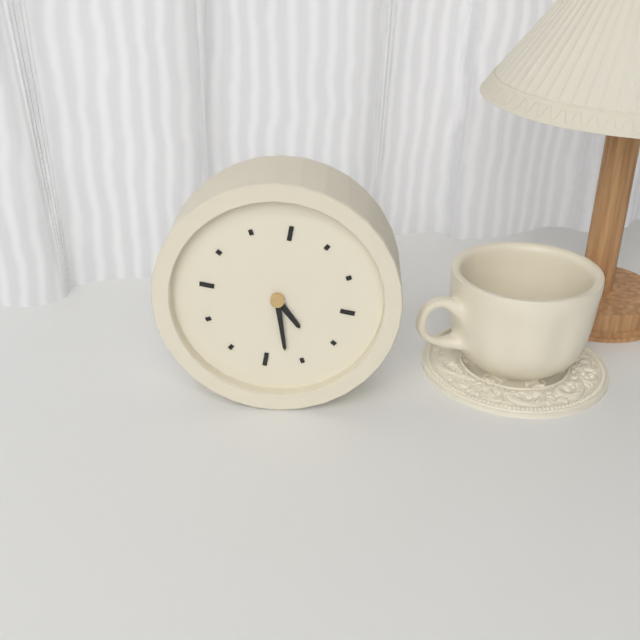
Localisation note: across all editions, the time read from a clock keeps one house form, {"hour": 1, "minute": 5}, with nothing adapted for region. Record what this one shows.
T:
{"hour": 4, "minute": 27}
